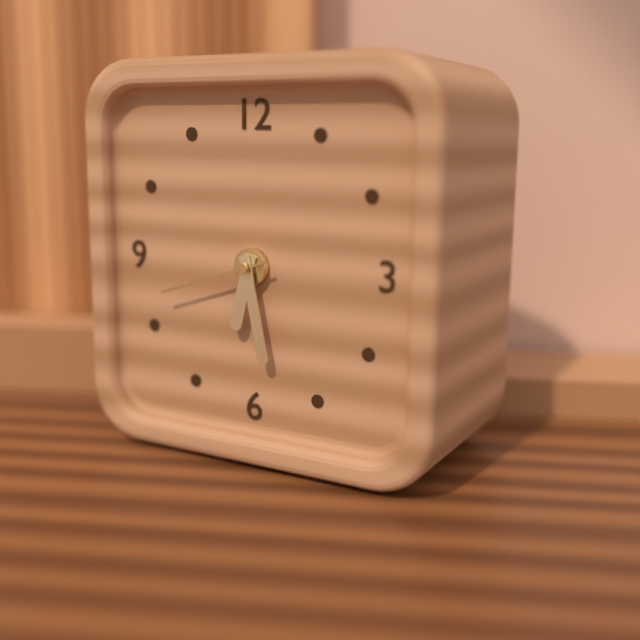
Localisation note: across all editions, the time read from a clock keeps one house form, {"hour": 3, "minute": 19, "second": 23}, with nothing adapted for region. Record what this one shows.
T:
{"hour": 6, "minute": 28, "second": 42}
